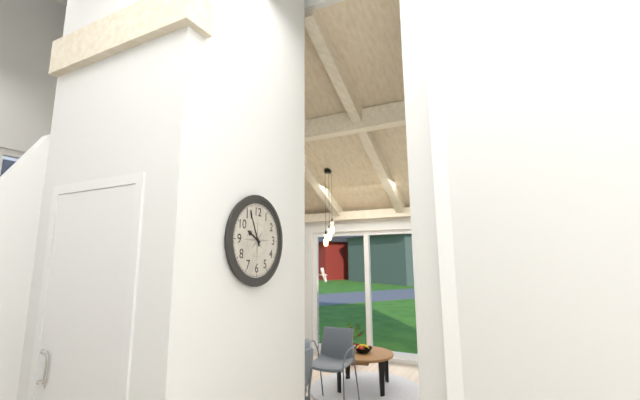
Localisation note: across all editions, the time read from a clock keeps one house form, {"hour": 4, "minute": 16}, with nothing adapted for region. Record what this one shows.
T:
{"hour": 9, "minute": 56}
